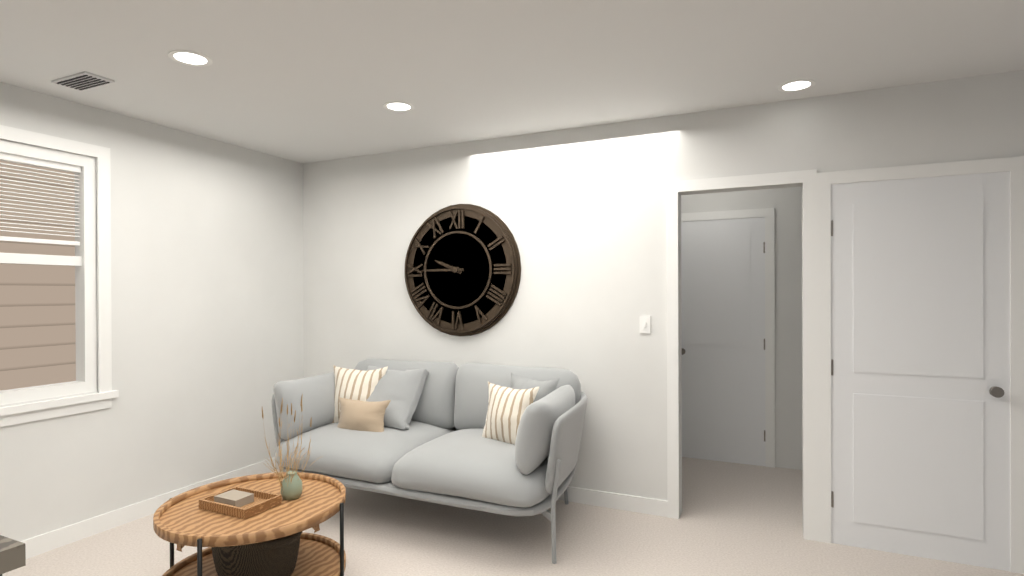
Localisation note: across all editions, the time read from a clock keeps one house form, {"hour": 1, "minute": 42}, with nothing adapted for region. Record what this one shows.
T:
{"hour": 9, "minute": 45}
